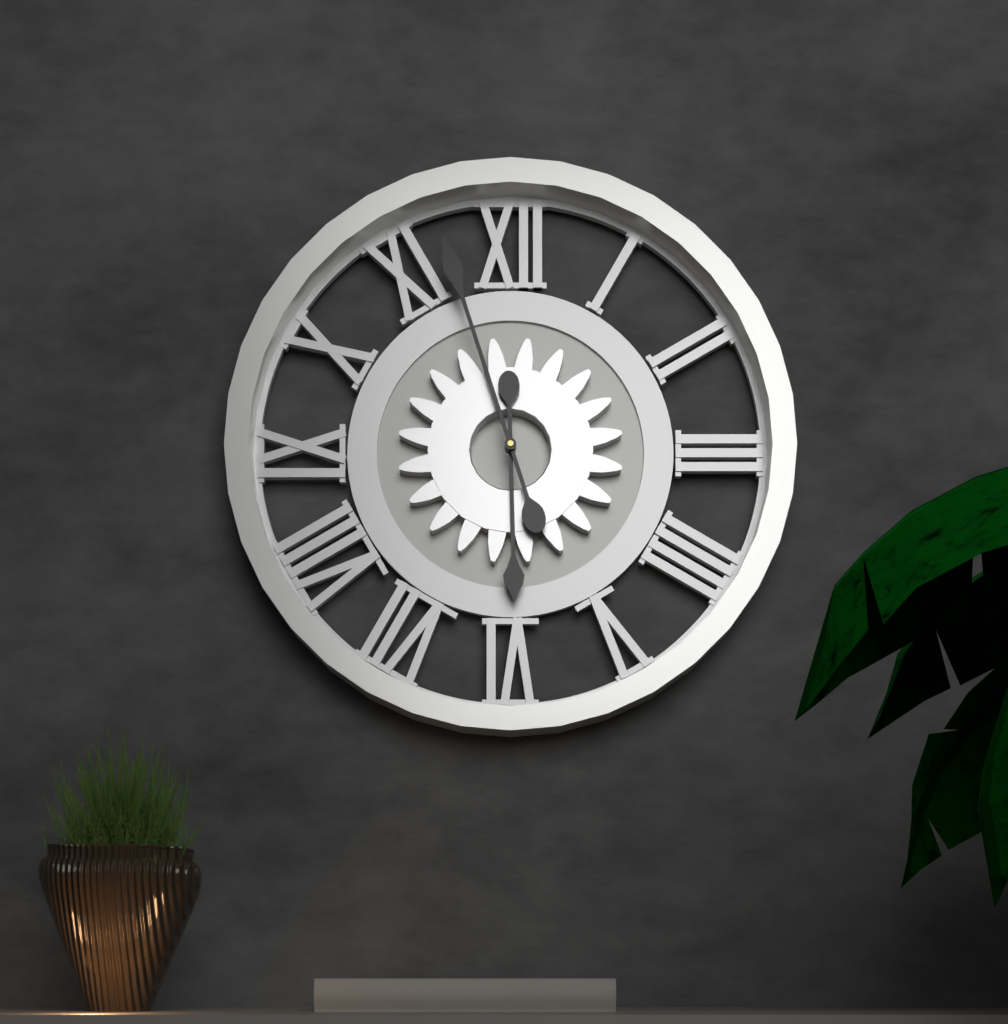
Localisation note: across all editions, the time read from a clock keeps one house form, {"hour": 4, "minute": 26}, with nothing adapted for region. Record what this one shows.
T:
{"hour": 5, "minute": 57}
